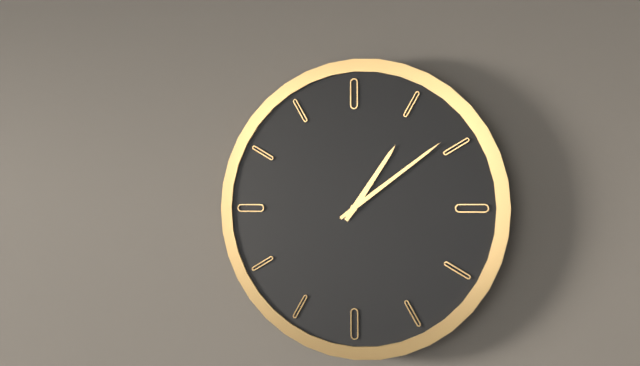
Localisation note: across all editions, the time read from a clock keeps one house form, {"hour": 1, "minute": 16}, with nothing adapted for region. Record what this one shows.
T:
{"hour": 1, "minute": 9}
